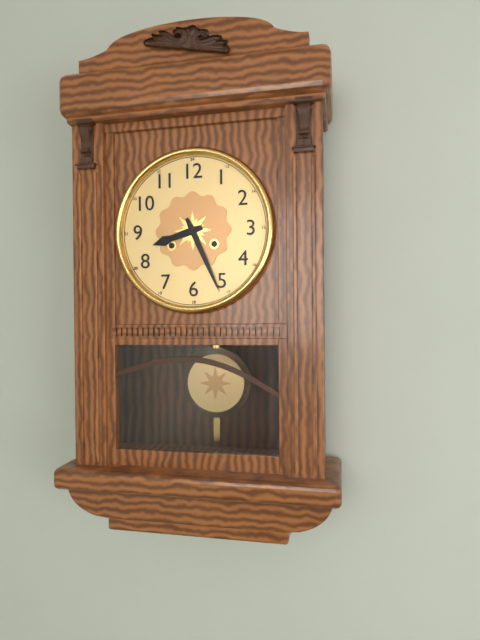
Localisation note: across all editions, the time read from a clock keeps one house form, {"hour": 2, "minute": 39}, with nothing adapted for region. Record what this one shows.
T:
{"hour": 8, "minute": 26}
